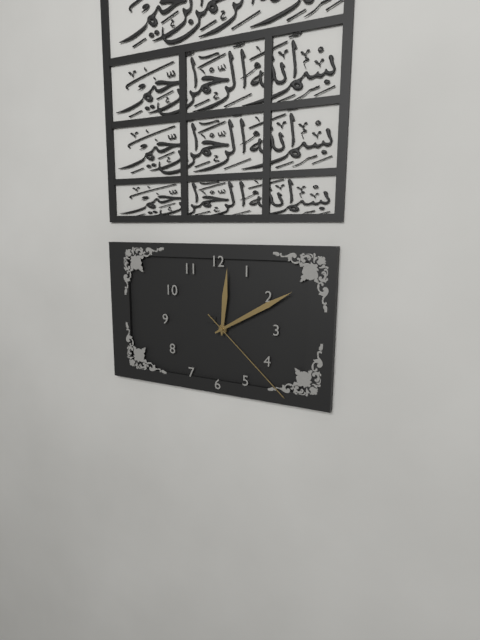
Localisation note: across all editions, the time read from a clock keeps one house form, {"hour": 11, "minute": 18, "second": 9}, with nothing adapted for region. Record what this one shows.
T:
{"hour": 12, "minute": 10, "second": 22}
